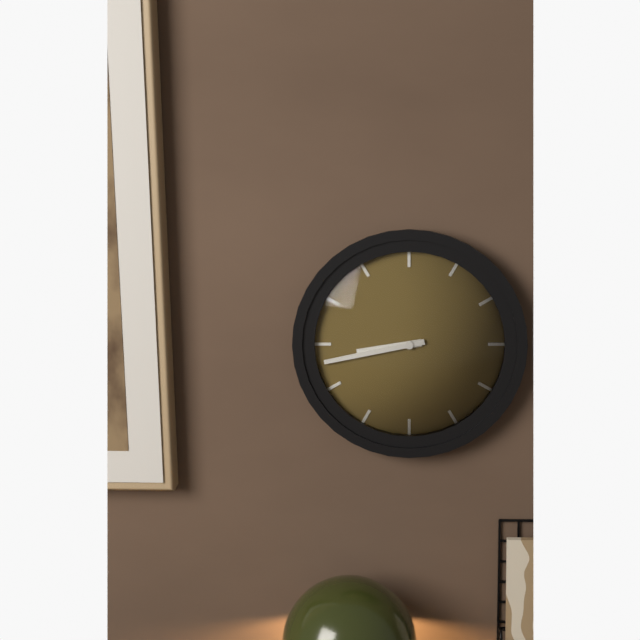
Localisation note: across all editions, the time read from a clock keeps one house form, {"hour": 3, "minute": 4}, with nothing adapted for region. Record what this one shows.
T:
{"hour": 8, "minute": 43}
